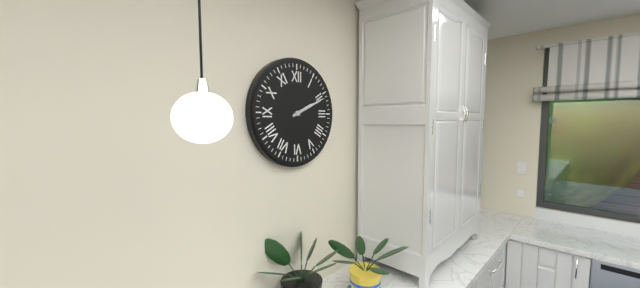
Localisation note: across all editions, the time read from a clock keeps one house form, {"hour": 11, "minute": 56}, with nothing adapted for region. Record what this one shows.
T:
{"hour": 2, "minute": 11}
